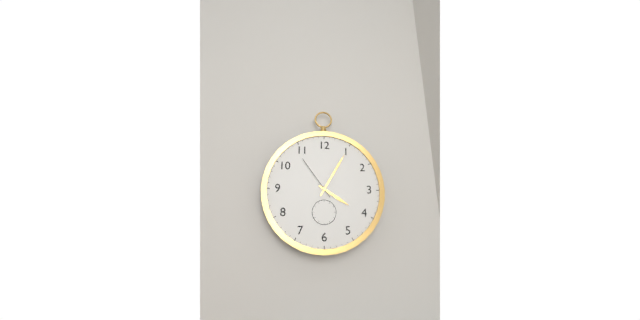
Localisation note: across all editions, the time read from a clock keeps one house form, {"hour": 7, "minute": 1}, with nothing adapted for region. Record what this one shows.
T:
{"hour": 4, "minute": 5}
